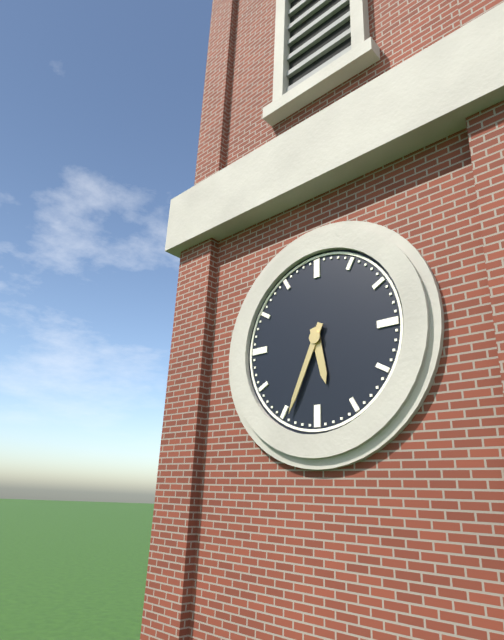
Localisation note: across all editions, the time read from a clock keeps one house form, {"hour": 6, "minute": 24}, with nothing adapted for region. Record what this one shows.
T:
{"hour": 5, "minute": 34}
